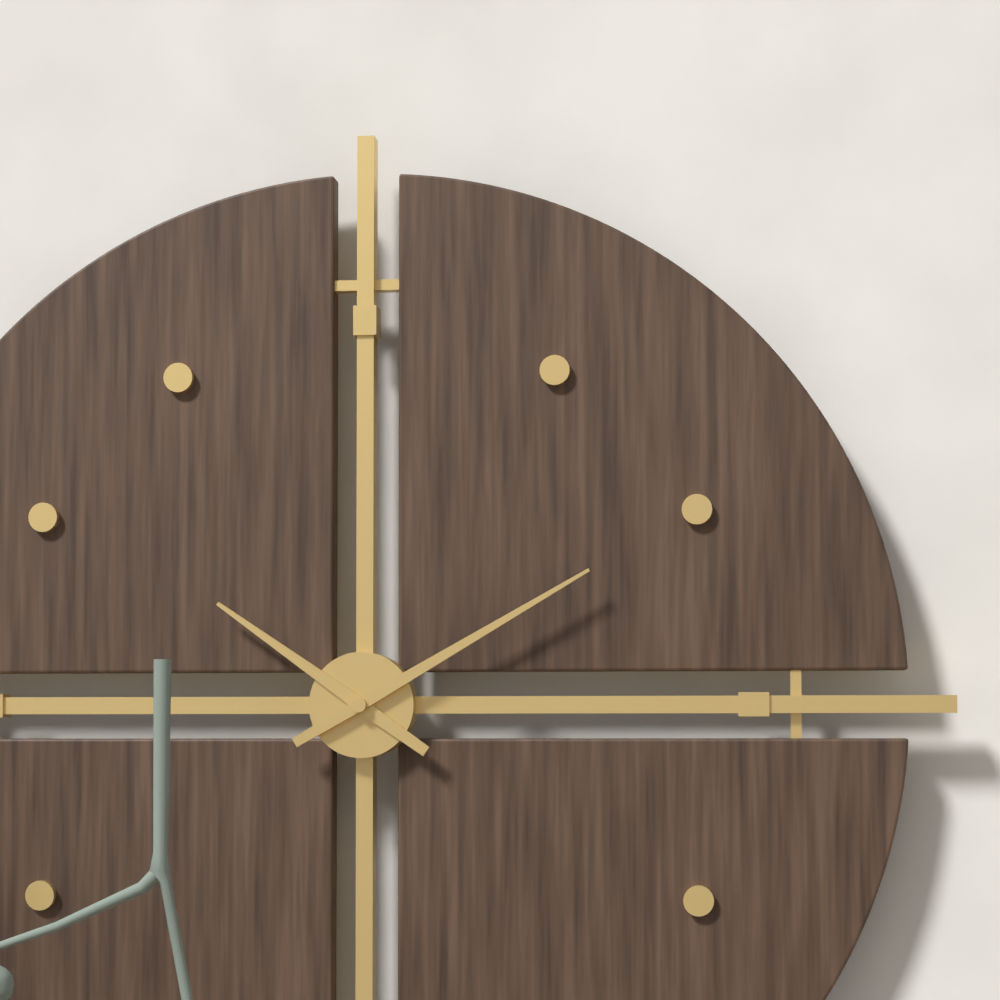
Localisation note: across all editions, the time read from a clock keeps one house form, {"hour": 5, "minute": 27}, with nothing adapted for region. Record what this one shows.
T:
{"hour": 10, "minute": 10}
